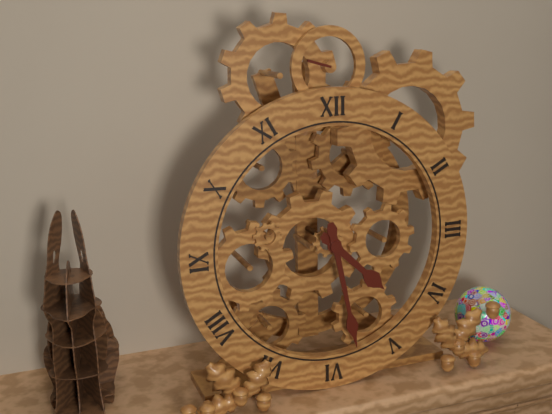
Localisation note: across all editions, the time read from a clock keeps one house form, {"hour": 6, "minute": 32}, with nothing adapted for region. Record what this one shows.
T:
{"hour": 4, "minute": 28}
